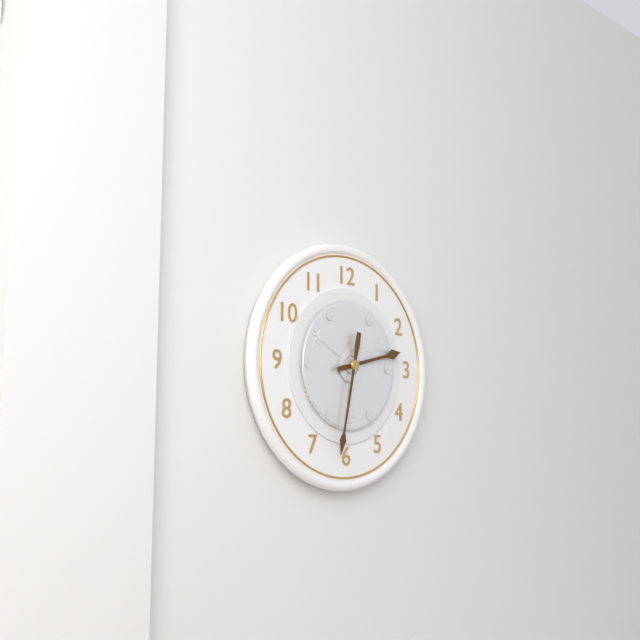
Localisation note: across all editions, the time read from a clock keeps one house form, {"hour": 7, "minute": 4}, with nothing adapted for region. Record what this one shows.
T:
{"hour": 2, "minute": 32}
